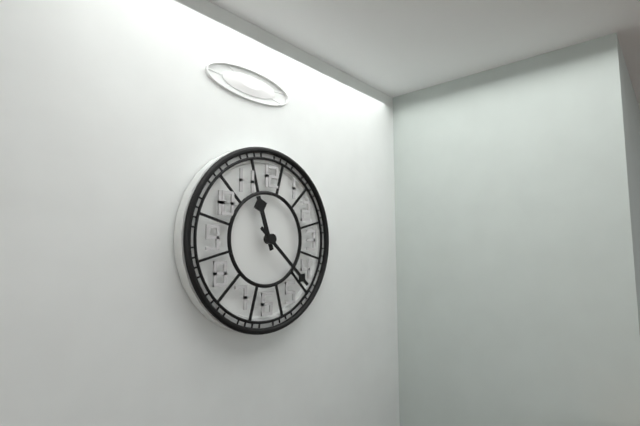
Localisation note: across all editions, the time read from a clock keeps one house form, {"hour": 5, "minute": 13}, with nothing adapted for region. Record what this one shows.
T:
{"hour": 11, "minute": 22}
